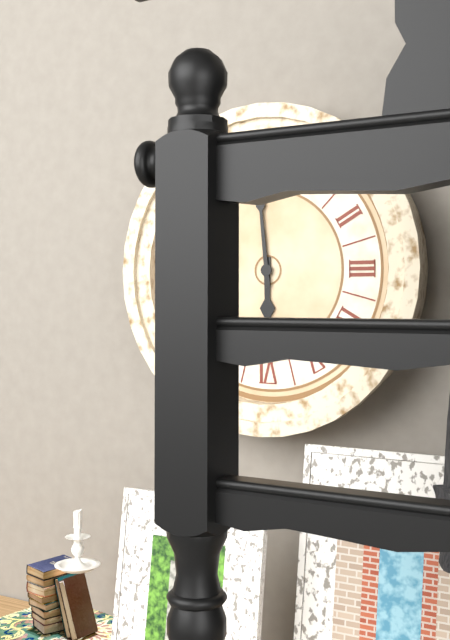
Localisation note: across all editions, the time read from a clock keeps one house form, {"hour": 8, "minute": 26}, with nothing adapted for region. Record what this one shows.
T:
{"hour": 5, "minute": 59}
